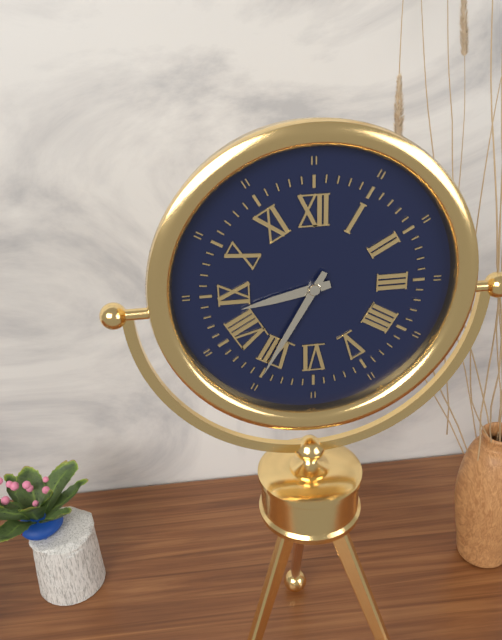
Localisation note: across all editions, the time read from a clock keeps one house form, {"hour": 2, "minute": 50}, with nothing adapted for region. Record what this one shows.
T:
{"hour": 8, "minute": 35}
